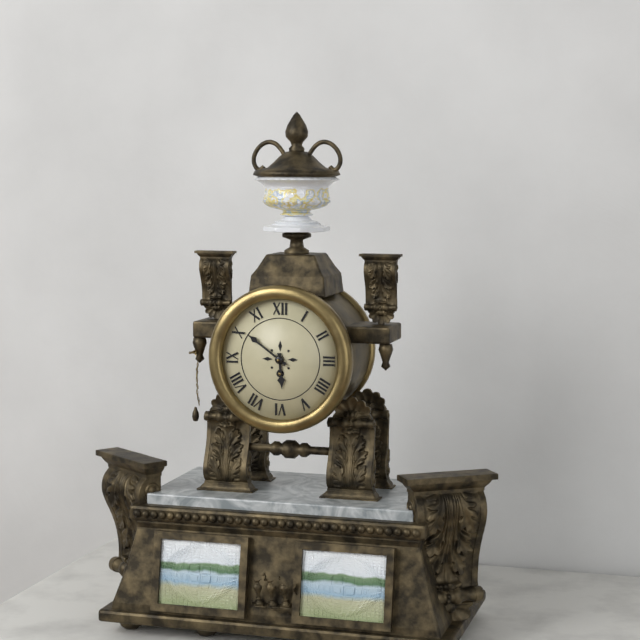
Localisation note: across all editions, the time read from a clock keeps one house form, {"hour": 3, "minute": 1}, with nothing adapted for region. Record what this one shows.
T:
{"hour": 5, "minute": 51}
